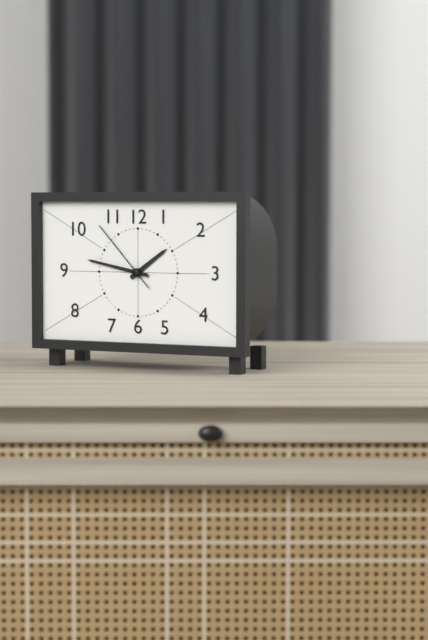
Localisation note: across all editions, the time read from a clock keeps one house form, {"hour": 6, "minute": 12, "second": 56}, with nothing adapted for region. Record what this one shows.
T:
{"hour": 1, "minute": 47, "second": 53}
